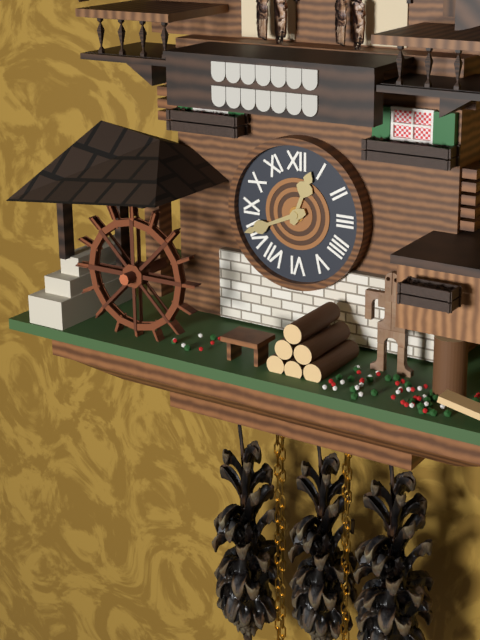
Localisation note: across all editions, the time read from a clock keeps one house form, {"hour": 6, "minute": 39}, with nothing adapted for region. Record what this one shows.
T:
{"hour": 12, "minute": 41}
